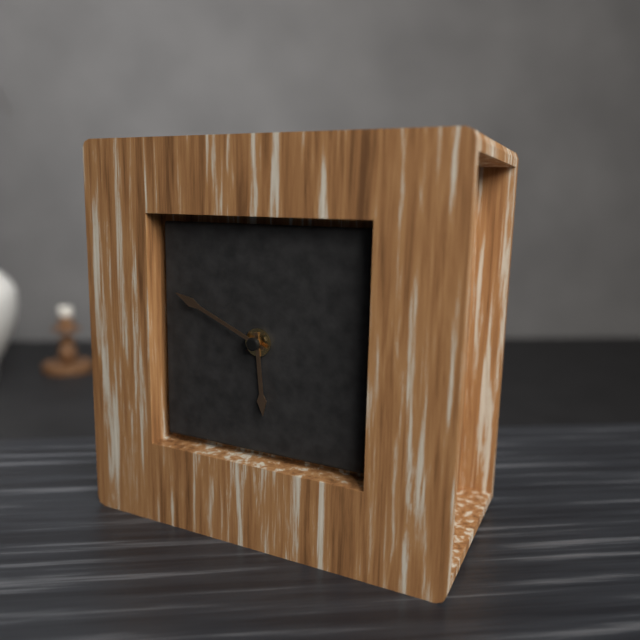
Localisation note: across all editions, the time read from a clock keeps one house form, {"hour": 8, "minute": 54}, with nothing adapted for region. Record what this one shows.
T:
{"hour": 5, "minute": 49}
